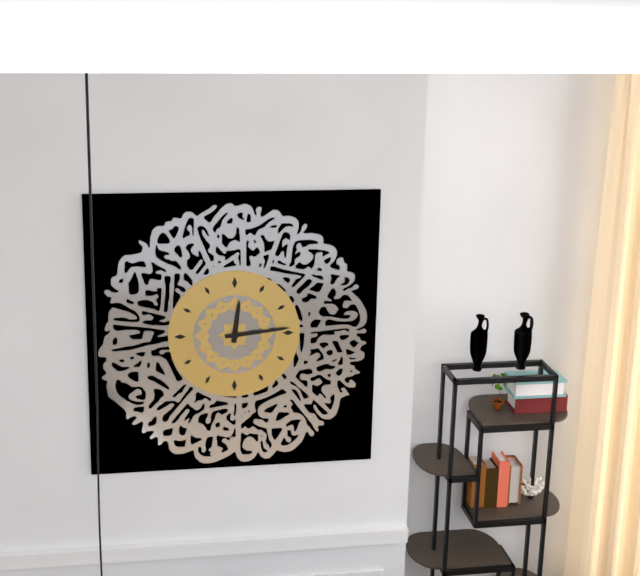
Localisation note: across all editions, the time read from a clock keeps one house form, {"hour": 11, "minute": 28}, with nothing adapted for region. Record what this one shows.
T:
{"hour": 12, "minute": 14}
